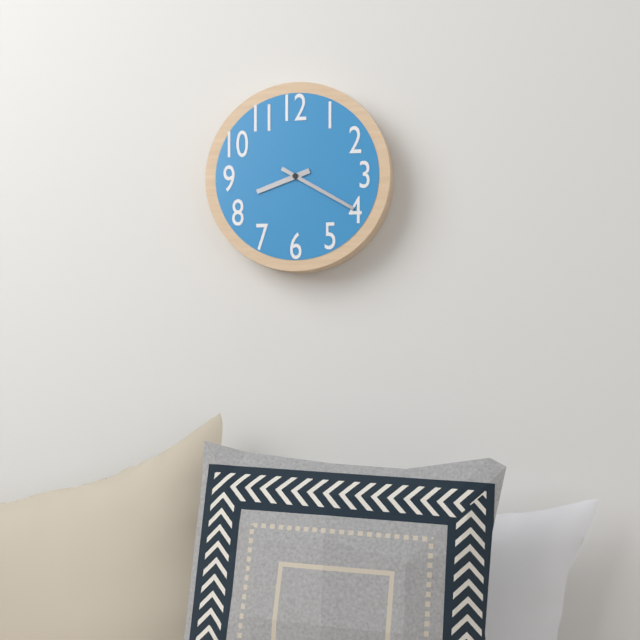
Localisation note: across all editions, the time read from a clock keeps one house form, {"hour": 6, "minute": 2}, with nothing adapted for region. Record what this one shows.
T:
{"hour": 8, "minute": 20}
